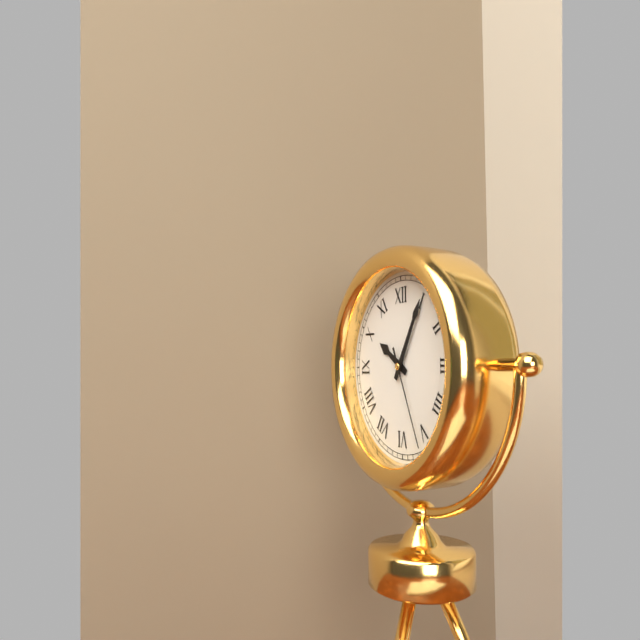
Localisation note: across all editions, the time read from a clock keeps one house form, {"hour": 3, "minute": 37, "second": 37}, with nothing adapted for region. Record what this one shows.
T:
{"hour": 10, "minute": 5, "second": 26}
